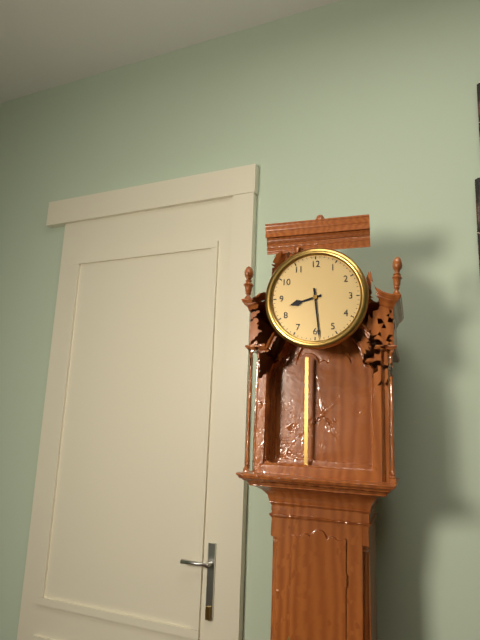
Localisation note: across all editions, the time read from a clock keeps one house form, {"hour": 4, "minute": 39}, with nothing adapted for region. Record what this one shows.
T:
{"hour": 8, "minute": 29}
